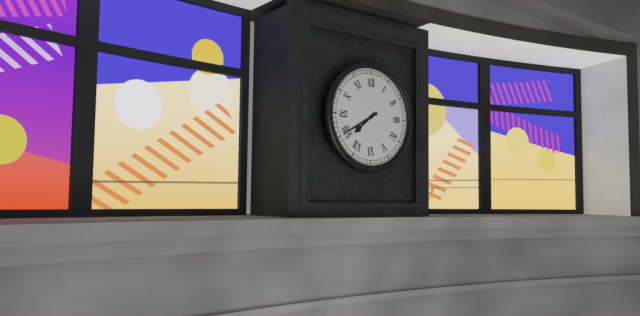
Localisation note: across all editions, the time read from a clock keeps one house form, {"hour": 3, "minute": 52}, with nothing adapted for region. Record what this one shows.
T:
{"hour": 7, "minute": 40}
